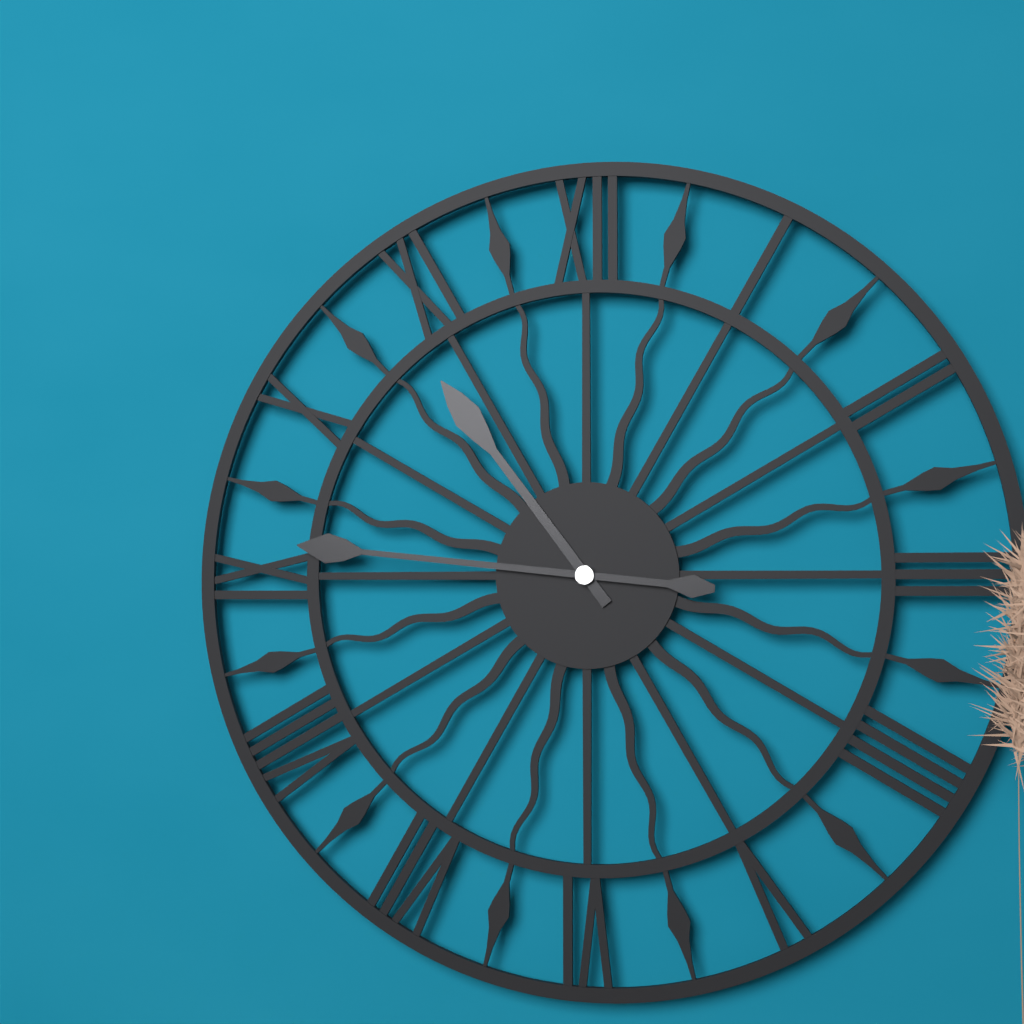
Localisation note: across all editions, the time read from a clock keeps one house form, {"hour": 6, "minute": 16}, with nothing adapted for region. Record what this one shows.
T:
{"hour": 10, "minute": 46}
